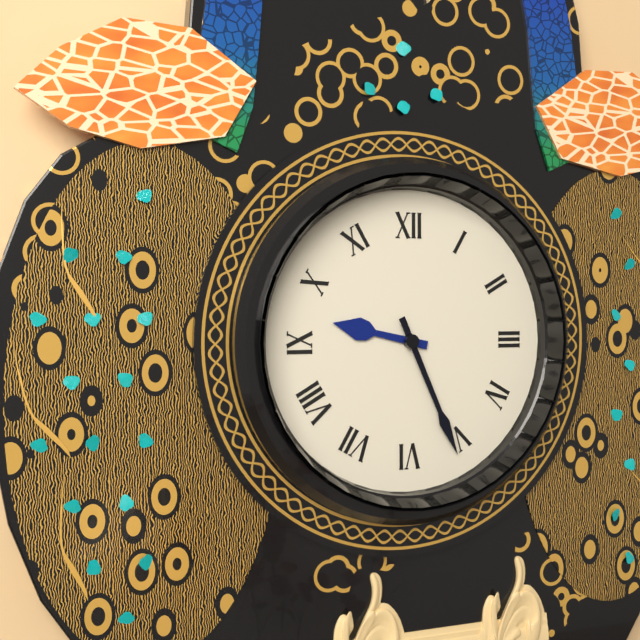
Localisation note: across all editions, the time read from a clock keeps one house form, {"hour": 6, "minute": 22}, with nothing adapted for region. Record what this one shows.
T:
{"hour": 9, "minute": 26}
